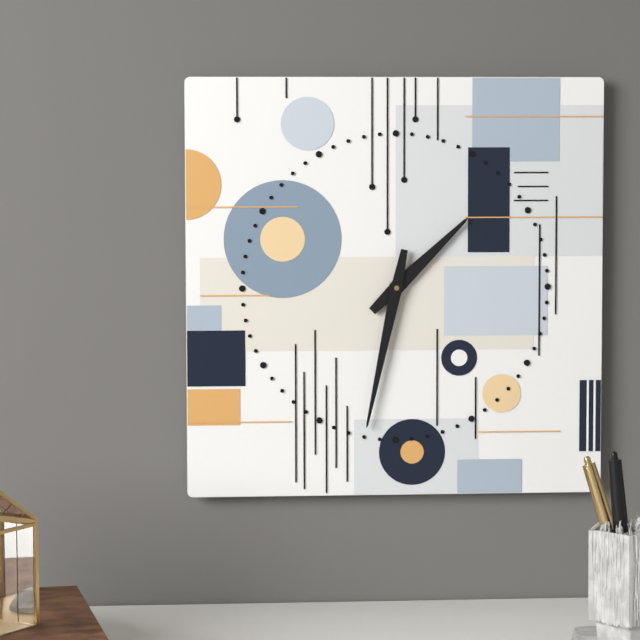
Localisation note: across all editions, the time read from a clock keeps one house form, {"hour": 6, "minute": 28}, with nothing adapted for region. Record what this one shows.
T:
{"hour": 1, "minute": 32}
